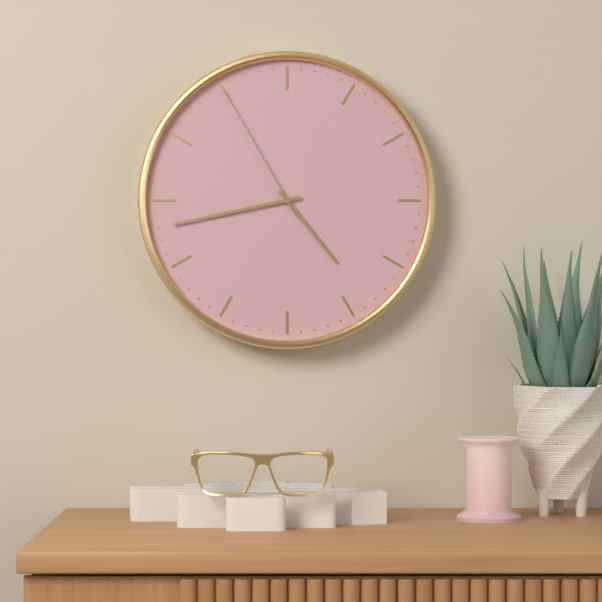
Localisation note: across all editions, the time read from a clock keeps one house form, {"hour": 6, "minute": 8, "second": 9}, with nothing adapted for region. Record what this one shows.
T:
{"hour": 4, "minute": 43, "second": 55}
